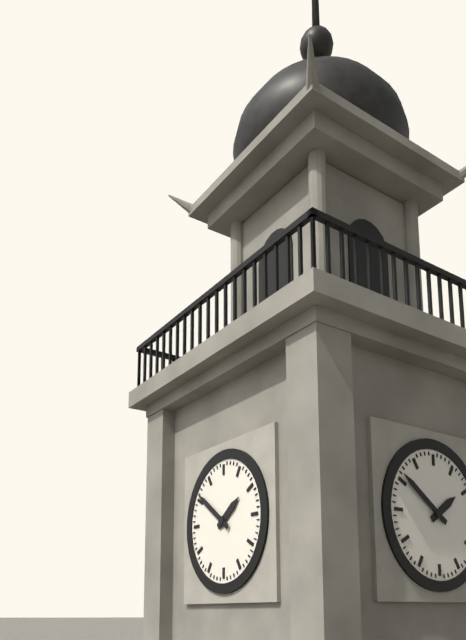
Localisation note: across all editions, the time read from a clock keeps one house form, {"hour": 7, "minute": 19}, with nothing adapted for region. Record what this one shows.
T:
{"hour": 1, "minute": 51}
